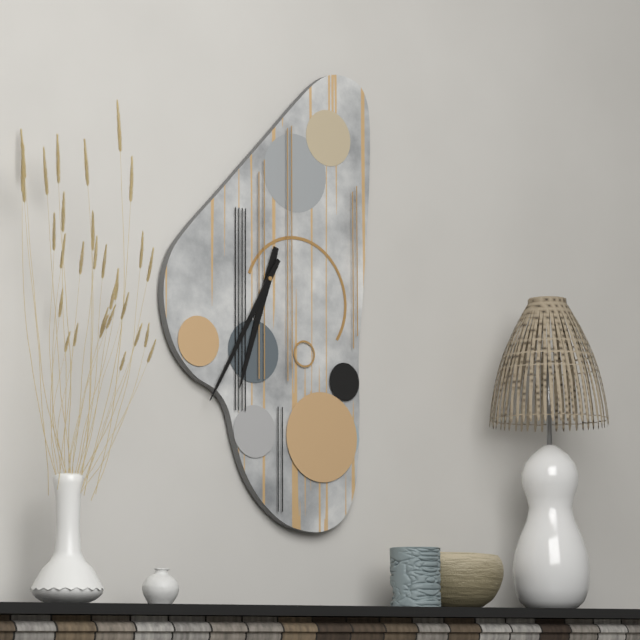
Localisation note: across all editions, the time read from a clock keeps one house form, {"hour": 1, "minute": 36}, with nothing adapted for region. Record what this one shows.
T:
{"hour": 6, "minute": 35}
